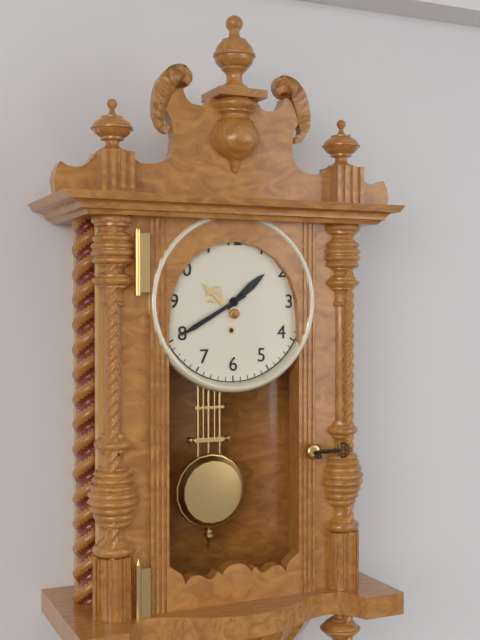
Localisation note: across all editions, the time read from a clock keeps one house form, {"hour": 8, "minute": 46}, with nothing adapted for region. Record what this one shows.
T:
{"hour": 1, "minute": 40}
